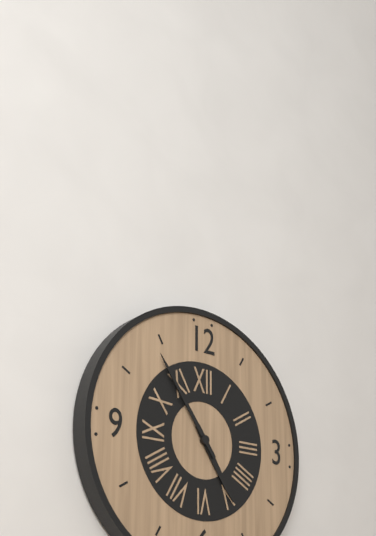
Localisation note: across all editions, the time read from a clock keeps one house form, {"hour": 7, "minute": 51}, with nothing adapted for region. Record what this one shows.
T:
{"hour": 4, "minute": 54}
